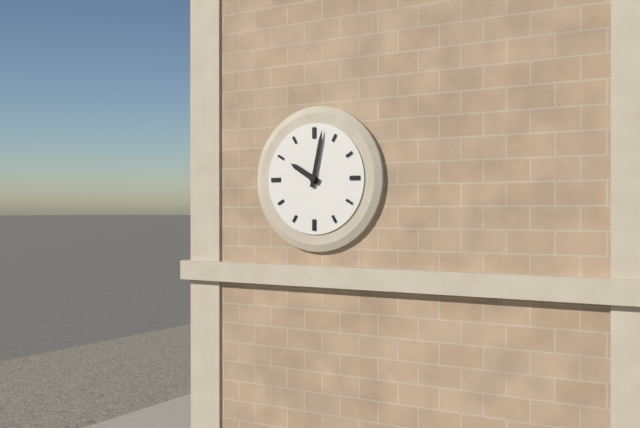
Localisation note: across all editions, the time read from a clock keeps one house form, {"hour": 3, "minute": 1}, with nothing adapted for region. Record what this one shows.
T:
{"hour": 10, "minute": 2}
